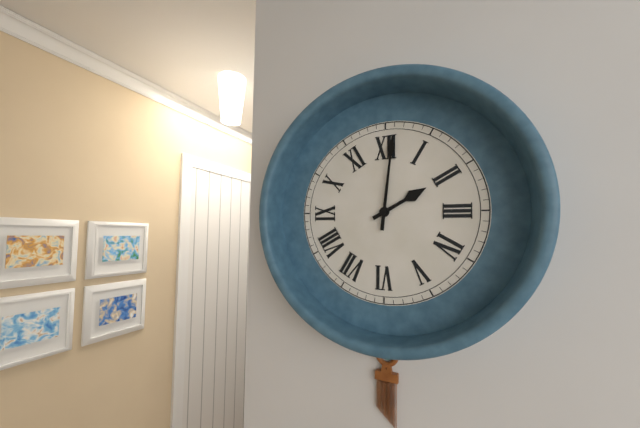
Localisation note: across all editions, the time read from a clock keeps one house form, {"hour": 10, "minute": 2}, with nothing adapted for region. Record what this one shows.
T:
{"hour": 2, "minute": 1}
